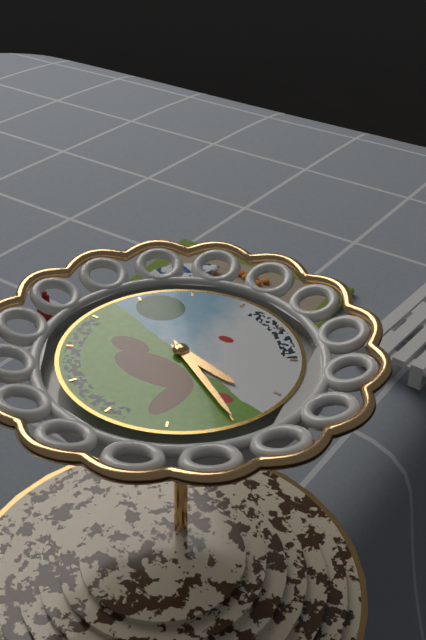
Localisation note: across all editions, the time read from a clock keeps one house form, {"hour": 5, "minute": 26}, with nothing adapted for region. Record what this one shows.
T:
{"hour": 3, "minute": 20}
